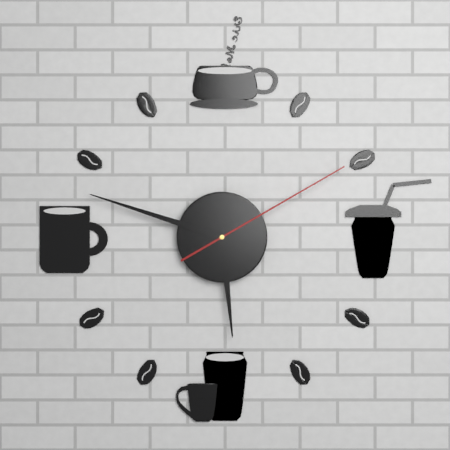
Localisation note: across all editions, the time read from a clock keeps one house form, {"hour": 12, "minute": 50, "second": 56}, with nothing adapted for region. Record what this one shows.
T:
{"hour": 5, "minute": 48, "second": 10}
